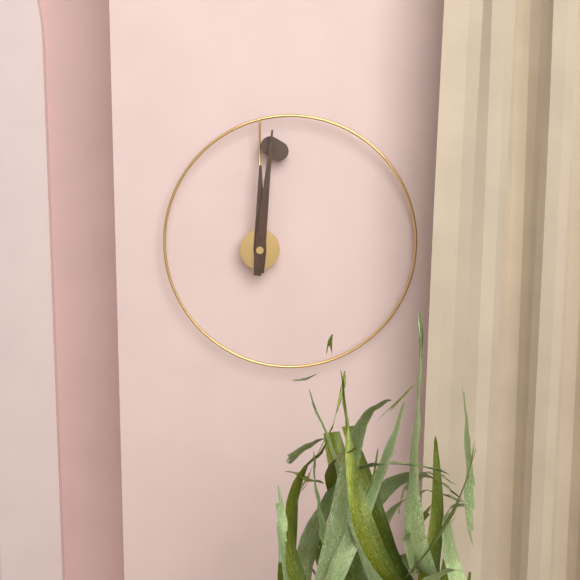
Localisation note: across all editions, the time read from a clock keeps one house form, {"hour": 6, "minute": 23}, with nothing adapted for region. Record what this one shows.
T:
{"hour": 12, "minute": 1}
